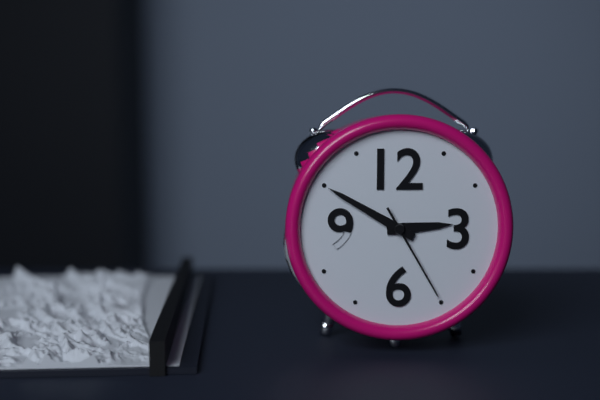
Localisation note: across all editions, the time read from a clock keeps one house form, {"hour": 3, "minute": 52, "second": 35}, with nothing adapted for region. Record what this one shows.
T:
{"hour": 2, "minute": 50, "second": 25}
